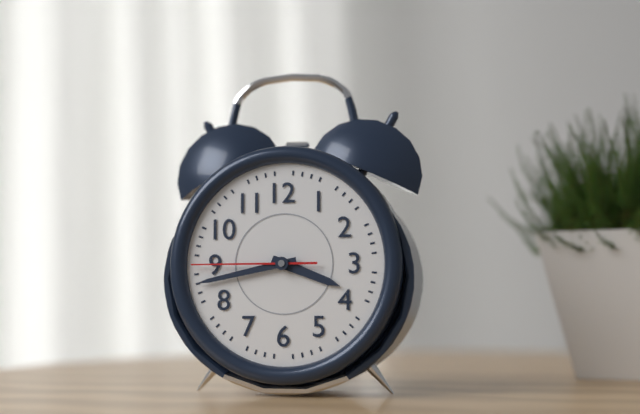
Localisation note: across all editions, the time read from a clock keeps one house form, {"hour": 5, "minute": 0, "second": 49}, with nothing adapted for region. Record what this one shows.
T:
{"hour": 3, "minute": 43, "second": 45}
